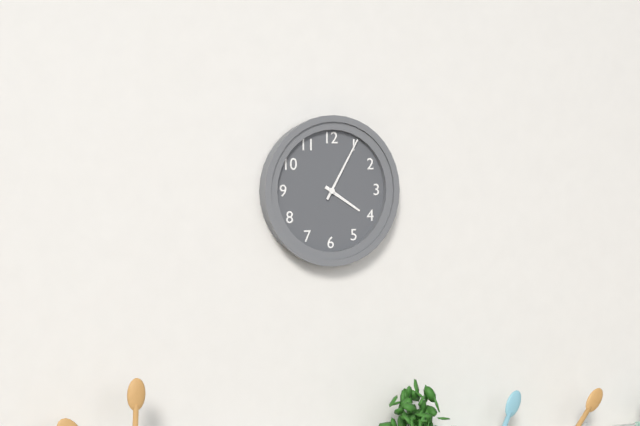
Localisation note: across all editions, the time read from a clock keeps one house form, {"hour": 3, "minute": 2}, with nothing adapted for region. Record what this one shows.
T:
{"hour": 4, "minute": 5}
